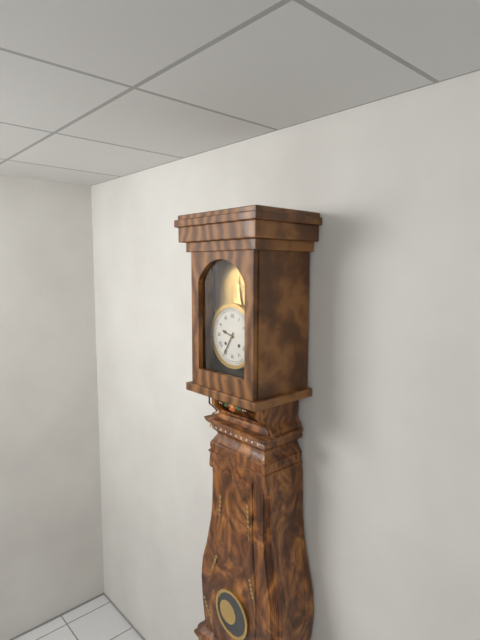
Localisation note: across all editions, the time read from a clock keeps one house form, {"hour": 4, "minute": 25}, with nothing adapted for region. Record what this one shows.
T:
{"hour": 9, "minute": 35}
